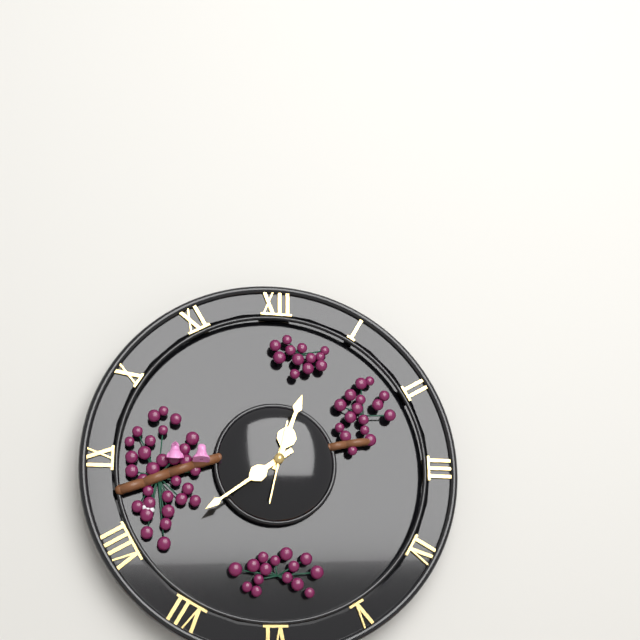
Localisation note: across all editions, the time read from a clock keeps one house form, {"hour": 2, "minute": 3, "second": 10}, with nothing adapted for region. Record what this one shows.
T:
{"hour": 12, "minute": 39, "second": 32}
